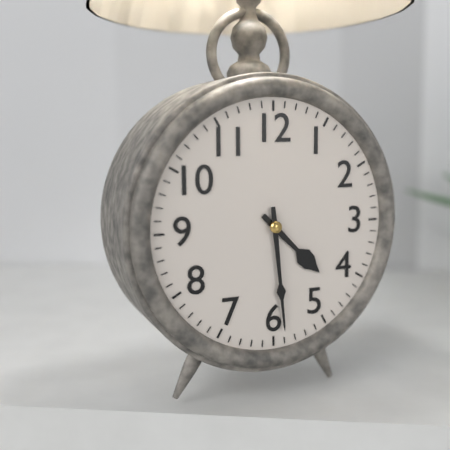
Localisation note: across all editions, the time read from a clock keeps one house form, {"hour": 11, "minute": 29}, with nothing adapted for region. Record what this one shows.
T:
{"hour": 4, "minute": 29}
